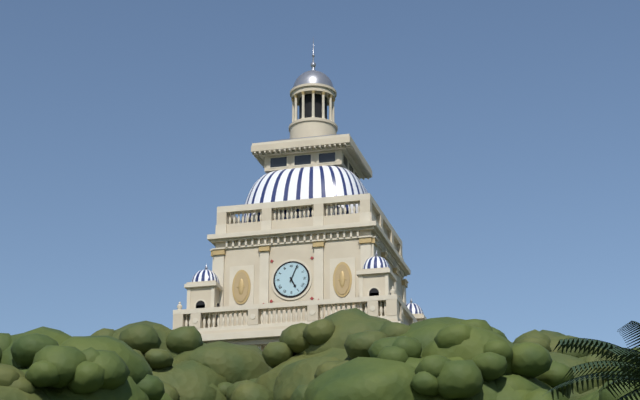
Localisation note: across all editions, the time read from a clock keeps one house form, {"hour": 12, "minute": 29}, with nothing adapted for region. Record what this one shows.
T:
{"hour": 5, "minute": 4}
